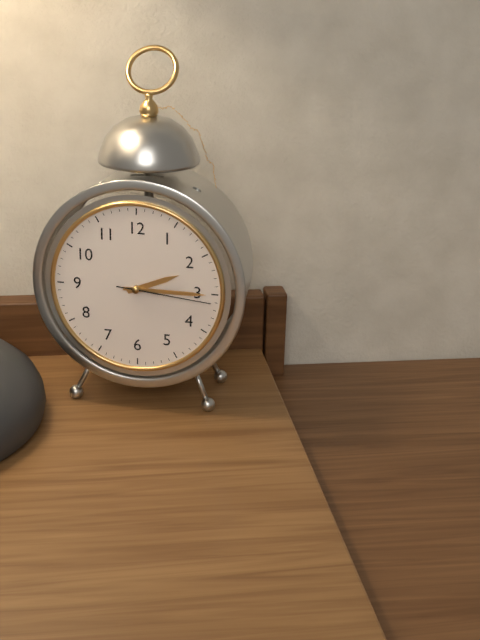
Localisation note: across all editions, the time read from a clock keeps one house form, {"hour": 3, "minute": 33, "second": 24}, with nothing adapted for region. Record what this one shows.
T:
{"hour": 2, "minute": 15, "second": 16}
